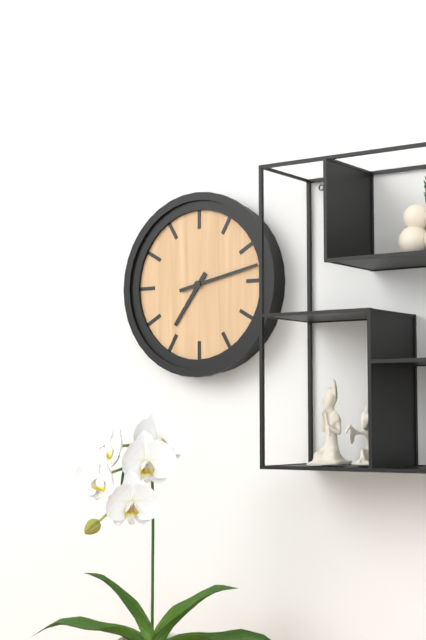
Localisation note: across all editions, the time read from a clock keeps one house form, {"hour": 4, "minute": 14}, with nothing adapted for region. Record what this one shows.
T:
{"hour": 7, "minute": 13}
